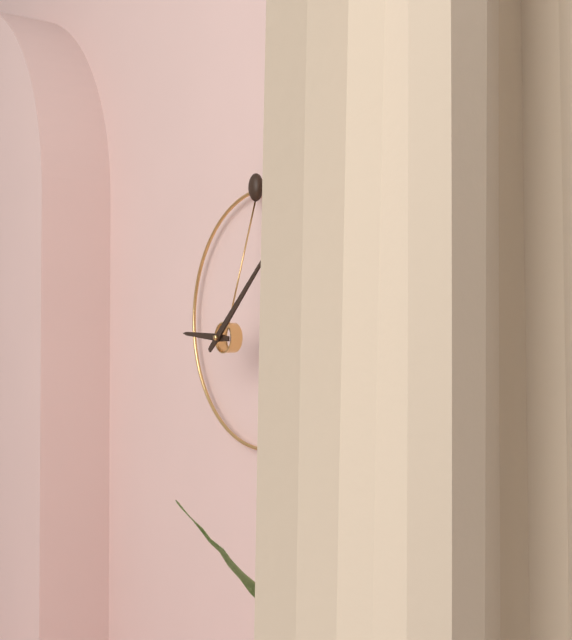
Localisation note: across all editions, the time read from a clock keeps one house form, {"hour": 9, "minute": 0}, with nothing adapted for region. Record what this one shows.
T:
{"hour": 9, "minute": 8}
